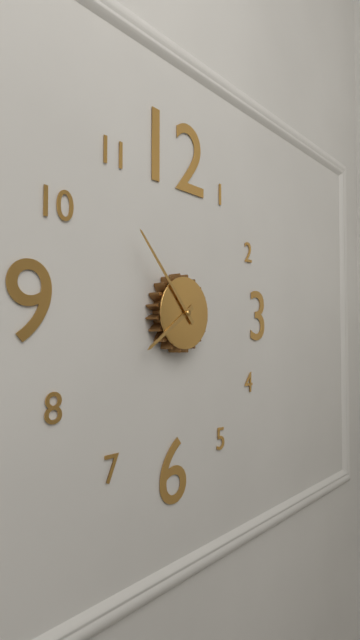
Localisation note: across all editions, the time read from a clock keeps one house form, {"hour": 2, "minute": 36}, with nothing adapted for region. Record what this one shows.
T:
{"hour": 7, "minute": 53}
